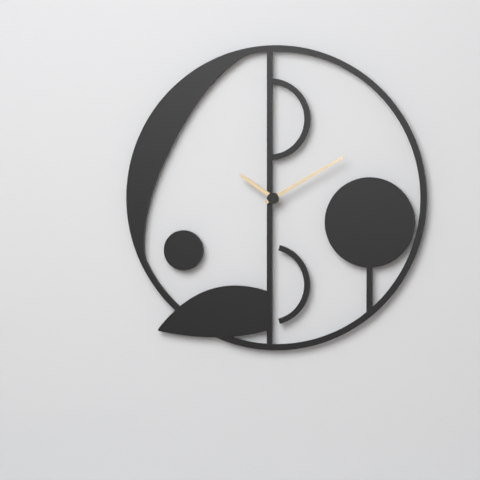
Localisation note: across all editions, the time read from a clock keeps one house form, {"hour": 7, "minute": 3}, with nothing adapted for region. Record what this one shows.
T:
{"hour": 10, "minute": 10}
